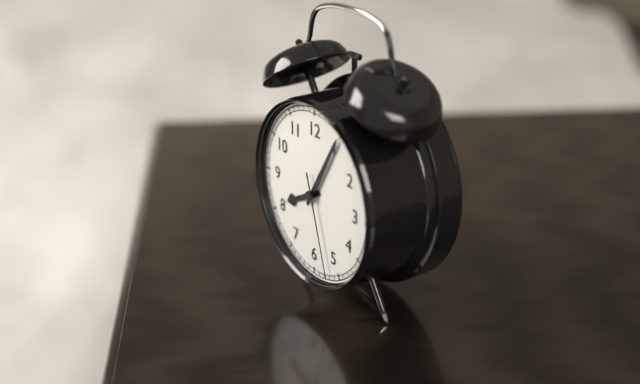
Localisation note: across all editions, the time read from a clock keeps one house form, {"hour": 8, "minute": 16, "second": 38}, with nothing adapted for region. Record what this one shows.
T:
{"hour": 8, "minute": 5, "second": 27}
